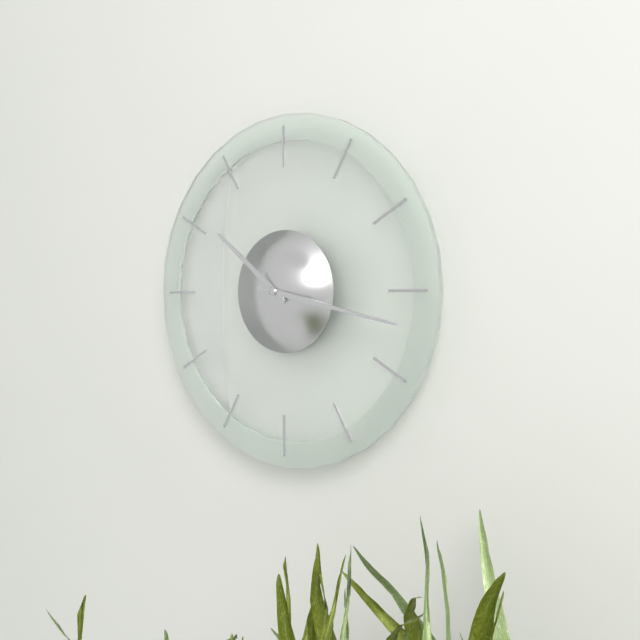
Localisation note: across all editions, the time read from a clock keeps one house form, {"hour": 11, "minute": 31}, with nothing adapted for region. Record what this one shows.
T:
{"hour": 10, "minute": 17}
